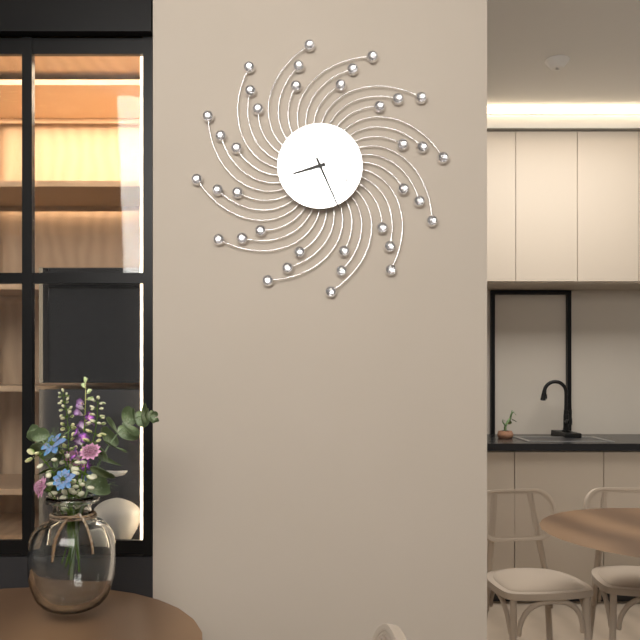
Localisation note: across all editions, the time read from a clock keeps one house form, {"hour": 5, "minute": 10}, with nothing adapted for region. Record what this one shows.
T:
{"hour": 8, "minute": 26}
